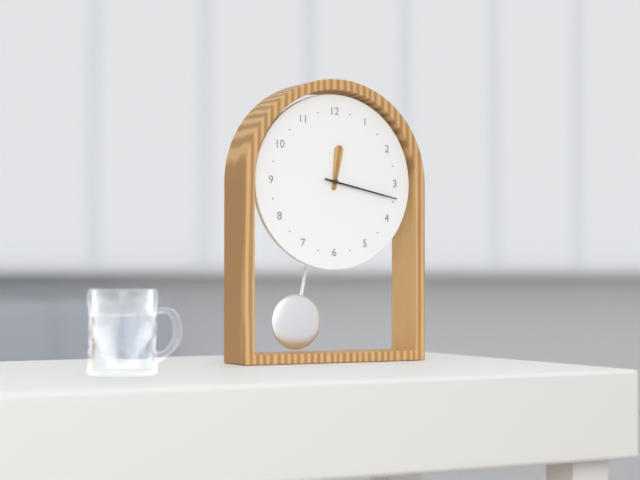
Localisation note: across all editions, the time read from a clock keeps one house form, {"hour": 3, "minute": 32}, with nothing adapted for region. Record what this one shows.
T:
{"hour": 12, "minute": 17}
